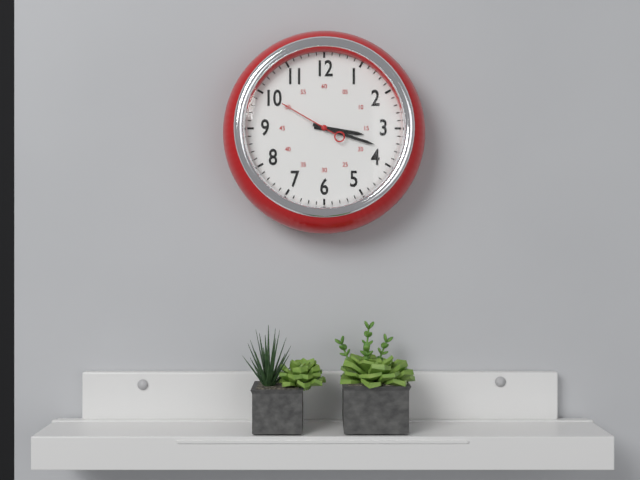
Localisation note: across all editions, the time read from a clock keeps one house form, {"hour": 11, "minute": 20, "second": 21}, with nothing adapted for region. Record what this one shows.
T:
{"hour": 3, "minute": 18, "second": 50}
